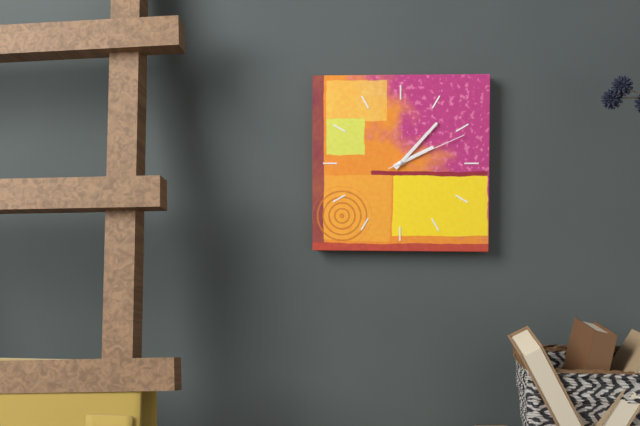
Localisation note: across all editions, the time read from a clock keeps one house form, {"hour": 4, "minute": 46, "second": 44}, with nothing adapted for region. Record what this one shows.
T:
{"hour": 2, "minute": 7, "second": 11}
